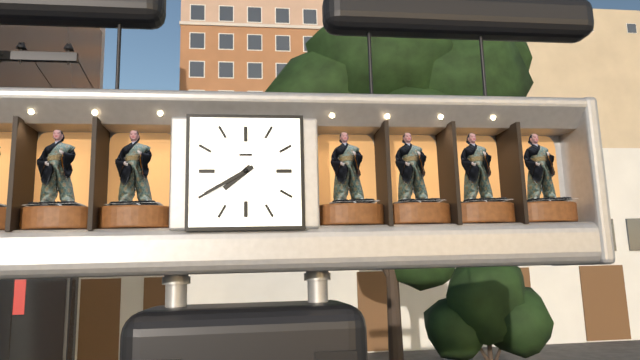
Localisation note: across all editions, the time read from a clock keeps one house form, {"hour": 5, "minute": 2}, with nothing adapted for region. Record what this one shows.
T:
{"hour": 7, "minute": 40}
